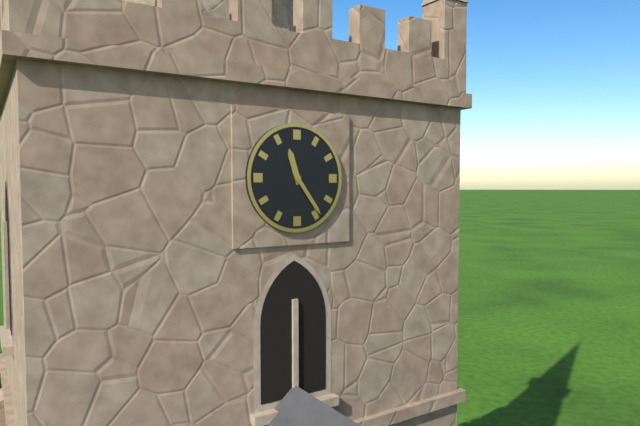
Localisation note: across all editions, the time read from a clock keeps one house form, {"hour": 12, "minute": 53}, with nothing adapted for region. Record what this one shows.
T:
{"hour": 11, "minute": 24}
